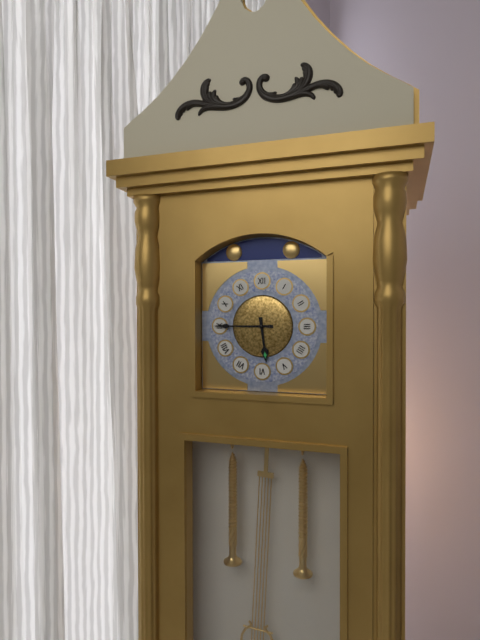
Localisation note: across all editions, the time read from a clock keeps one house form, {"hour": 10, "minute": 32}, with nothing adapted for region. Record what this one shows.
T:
{"hour": 5, "minute": 45}
